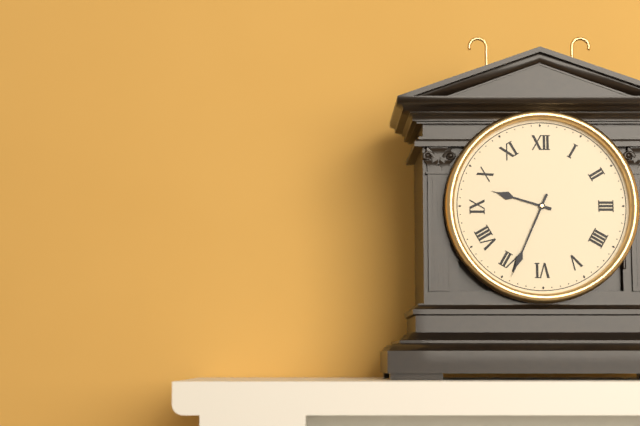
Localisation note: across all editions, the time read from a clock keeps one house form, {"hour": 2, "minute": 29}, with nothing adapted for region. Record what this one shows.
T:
{"hour": 9, "minute": 34}
